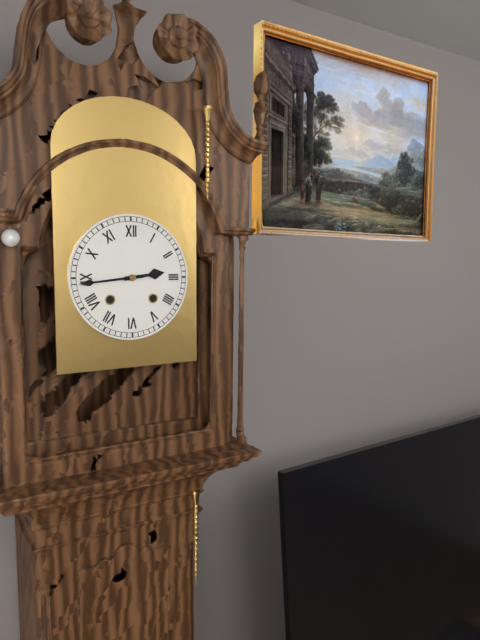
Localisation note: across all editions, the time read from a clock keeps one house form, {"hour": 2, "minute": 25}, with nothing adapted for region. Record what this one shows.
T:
{"hour": 2, "minute": 44}
